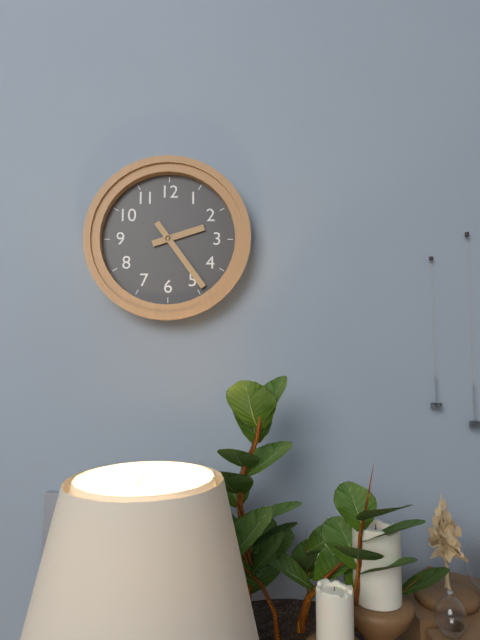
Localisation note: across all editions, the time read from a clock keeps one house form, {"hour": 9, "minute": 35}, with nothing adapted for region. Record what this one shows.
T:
{"hour": 2, "minute": 24}
